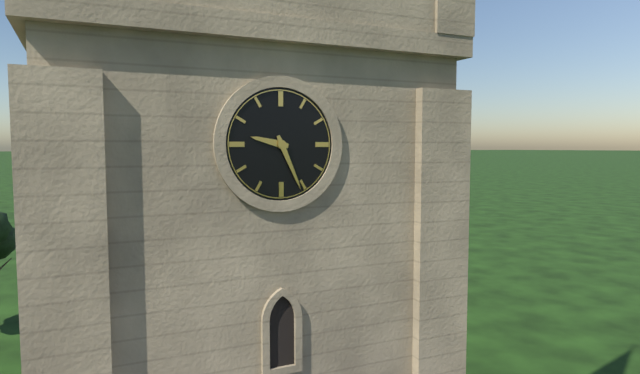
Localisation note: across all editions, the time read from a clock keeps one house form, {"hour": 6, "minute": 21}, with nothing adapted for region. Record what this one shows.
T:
{"hour": 9, "minute": 26}
